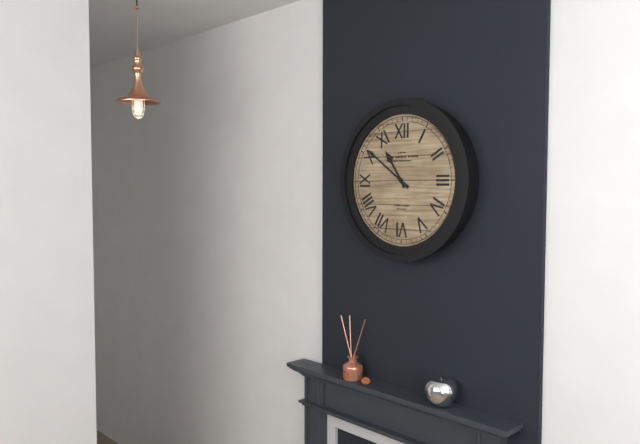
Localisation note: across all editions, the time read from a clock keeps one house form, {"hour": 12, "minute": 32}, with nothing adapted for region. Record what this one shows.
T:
{"hour": 10, "minute": 51}
